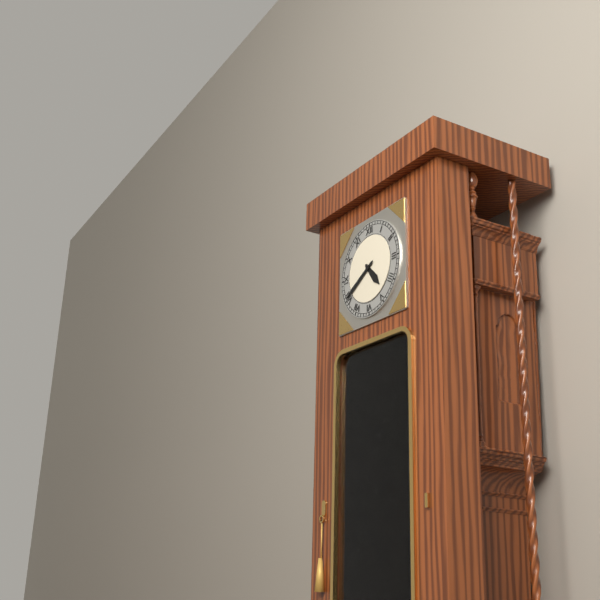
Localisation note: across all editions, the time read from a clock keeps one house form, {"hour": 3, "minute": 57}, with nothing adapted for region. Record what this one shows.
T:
{"hour": 4, "minute": 40}
